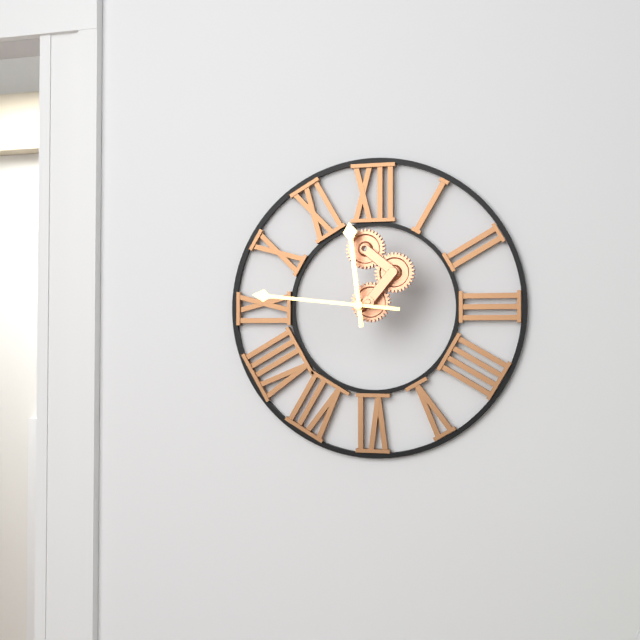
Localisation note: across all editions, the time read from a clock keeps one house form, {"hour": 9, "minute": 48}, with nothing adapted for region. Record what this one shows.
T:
{"hour": 11, "minute": 46}
